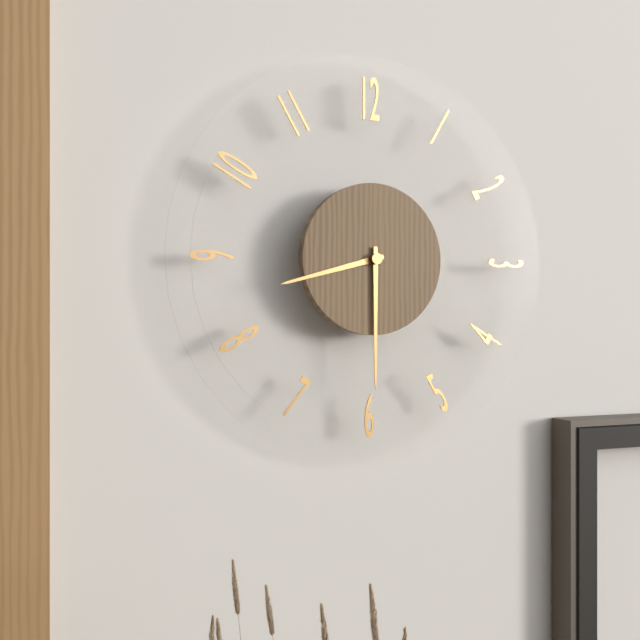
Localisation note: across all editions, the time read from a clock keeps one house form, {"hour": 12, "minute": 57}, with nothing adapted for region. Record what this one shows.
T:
{"hour": 8, "minute": 30}
